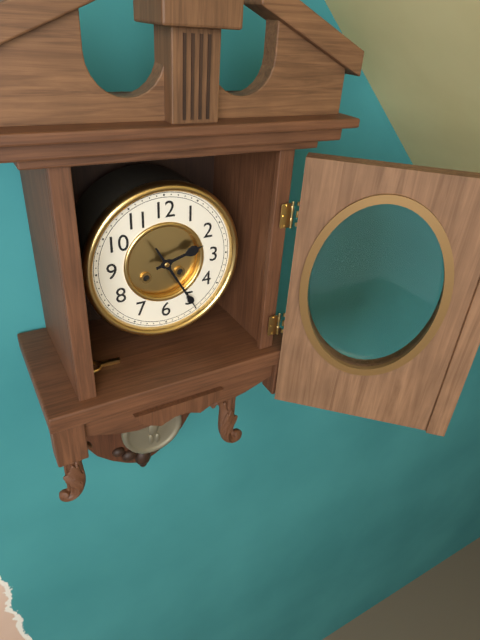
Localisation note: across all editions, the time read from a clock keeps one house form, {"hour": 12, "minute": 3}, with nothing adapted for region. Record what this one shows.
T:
{"hour": 2, "minute": 25}
